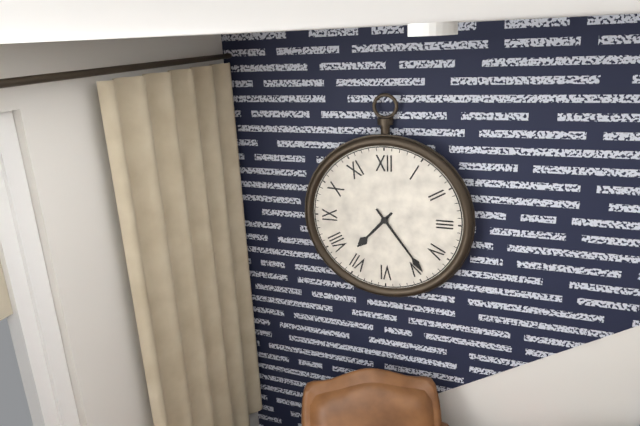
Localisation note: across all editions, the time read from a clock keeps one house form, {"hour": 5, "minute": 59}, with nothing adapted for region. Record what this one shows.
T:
{"hour": 7, "minute": 24}
